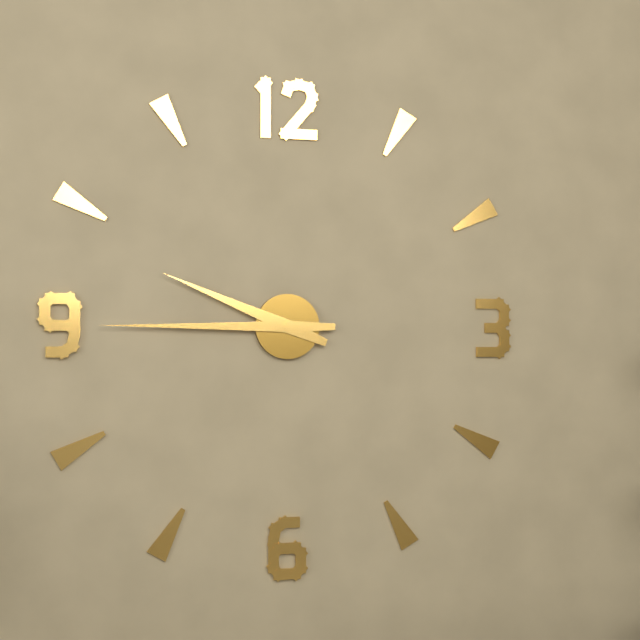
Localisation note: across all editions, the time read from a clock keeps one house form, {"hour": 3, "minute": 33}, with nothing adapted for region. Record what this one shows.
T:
{"hour": 9, "minute": 45}
